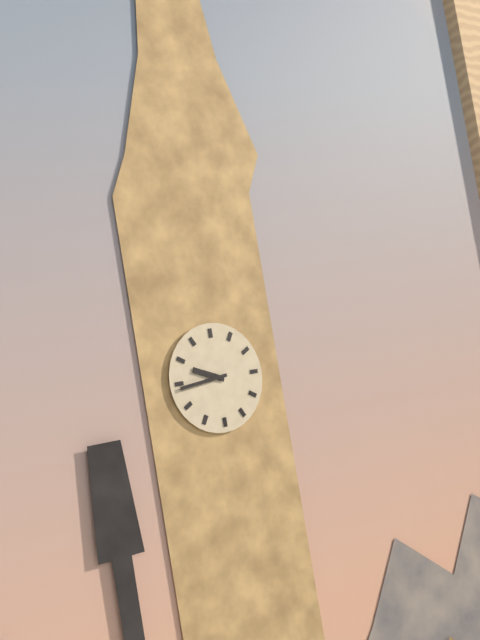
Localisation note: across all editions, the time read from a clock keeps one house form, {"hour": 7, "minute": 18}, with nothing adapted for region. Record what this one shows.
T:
{"hour": 9, "minute": 44}
